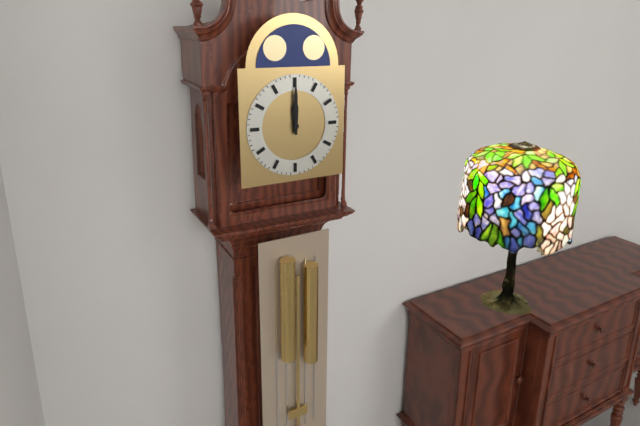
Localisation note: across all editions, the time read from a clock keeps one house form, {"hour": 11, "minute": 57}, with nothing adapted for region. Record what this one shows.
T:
{"hour": 12, "minute": 0}
